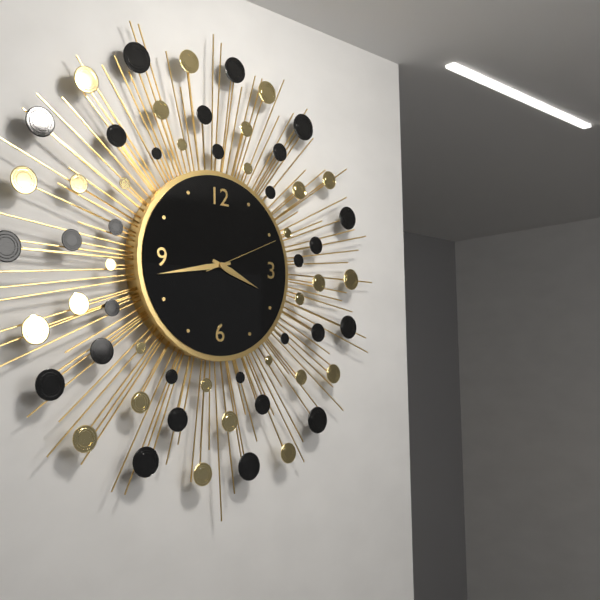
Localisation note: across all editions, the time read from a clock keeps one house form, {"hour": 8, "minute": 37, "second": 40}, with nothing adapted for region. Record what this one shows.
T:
{"hour": 3, "minute": 43, "second": 11}
